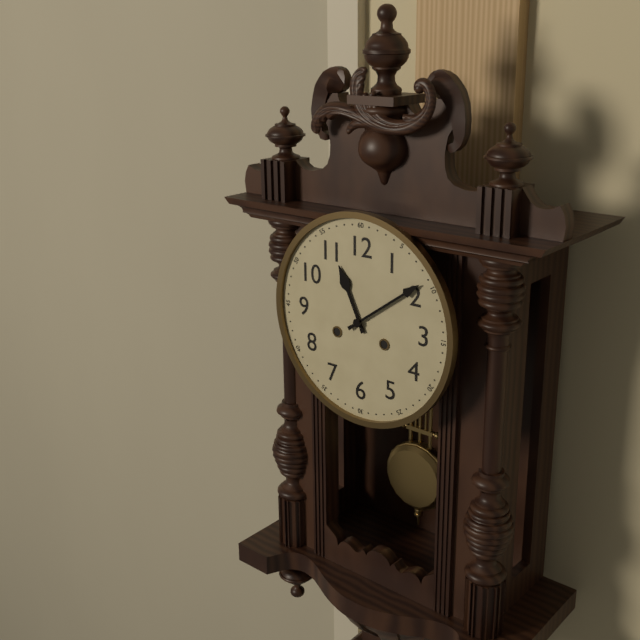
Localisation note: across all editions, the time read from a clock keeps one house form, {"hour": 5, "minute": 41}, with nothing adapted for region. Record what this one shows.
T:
{"hour": 11, "minute": 9}
